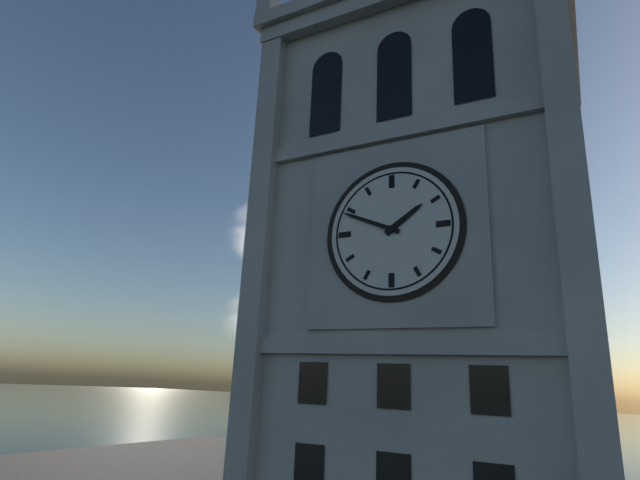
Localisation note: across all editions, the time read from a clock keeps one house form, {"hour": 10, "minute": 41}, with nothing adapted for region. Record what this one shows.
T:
{"hour": 1, "minute": 49}
